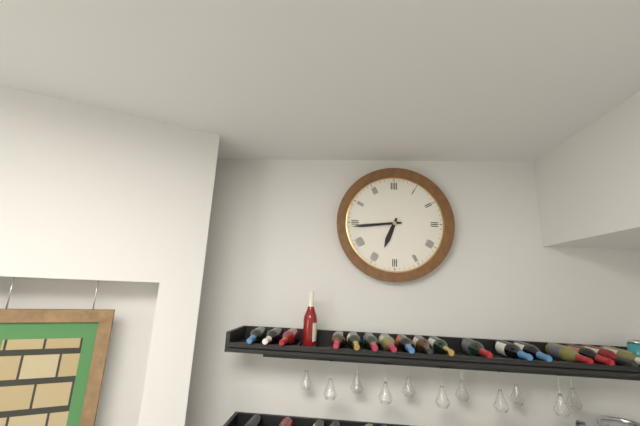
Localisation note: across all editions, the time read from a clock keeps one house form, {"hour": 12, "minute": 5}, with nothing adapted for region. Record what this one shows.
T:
{"hour": 6, "minute": 44}
